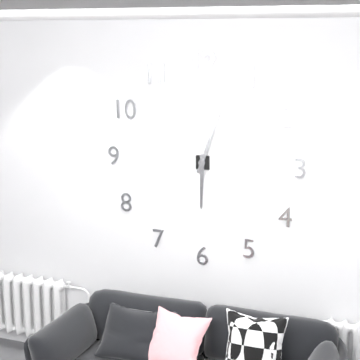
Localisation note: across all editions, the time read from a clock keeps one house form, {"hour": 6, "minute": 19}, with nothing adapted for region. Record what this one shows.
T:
{"hour": 6, "minute": 3}
